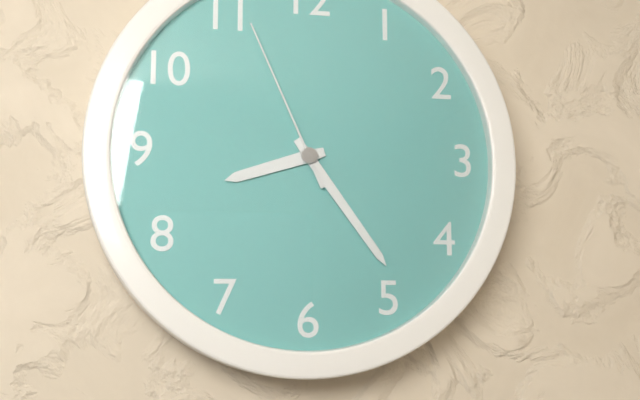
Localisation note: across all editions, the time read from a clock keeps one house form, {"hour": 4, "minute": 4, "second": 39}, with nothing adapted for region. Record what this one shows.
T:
{"hour": 8, "minute": 24, "second": 56}
